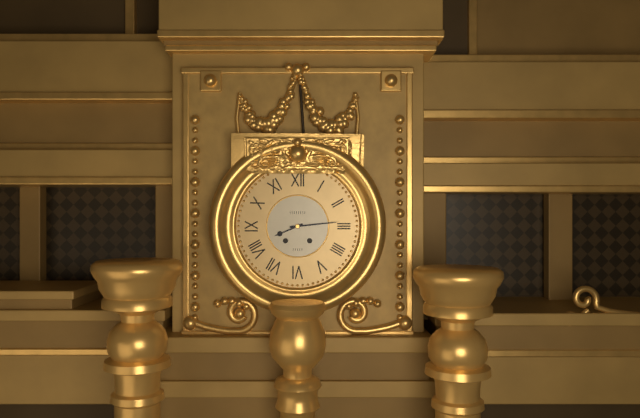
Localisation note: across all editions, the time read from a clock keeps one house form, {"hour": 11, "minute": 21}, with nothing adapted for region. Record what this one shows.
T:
{"hour": 8, "minute": 14}
